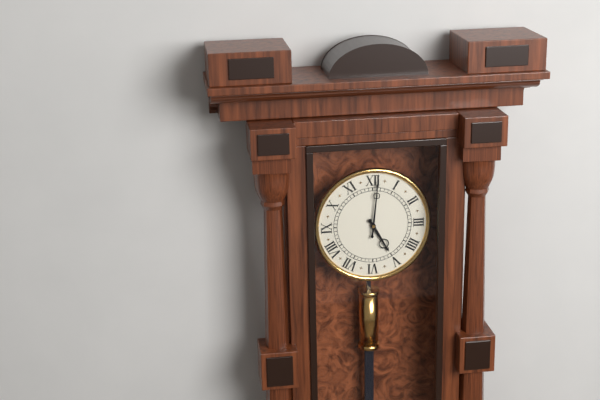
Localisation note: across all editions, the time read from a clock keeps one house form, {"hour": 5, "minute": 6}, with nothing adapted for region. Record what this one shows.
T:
{"hour": 5, "minute": 1}
